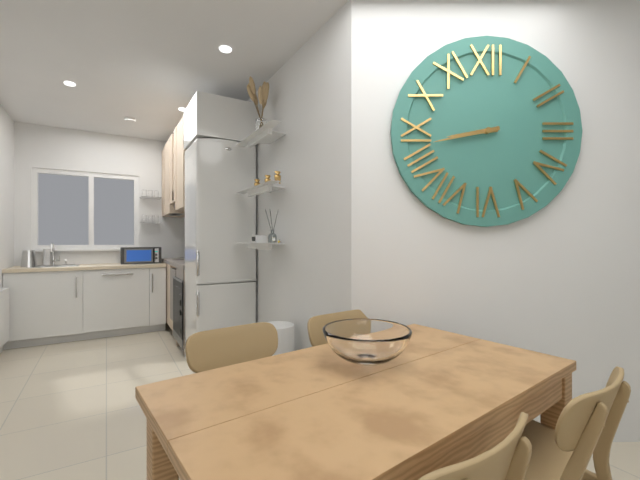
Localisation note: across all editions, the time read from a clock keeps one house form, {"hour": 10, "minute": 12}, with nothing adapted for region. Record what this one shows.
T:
{"hour": 8, "minute": 43}
